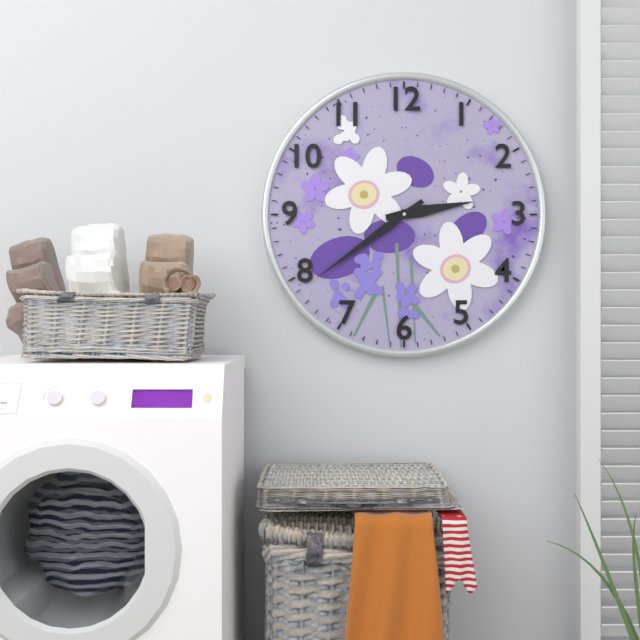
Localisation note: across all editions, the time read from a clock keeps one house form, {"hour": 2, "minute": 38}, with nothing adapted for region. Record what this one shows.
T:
{"hour": 2, "minute": 39}
